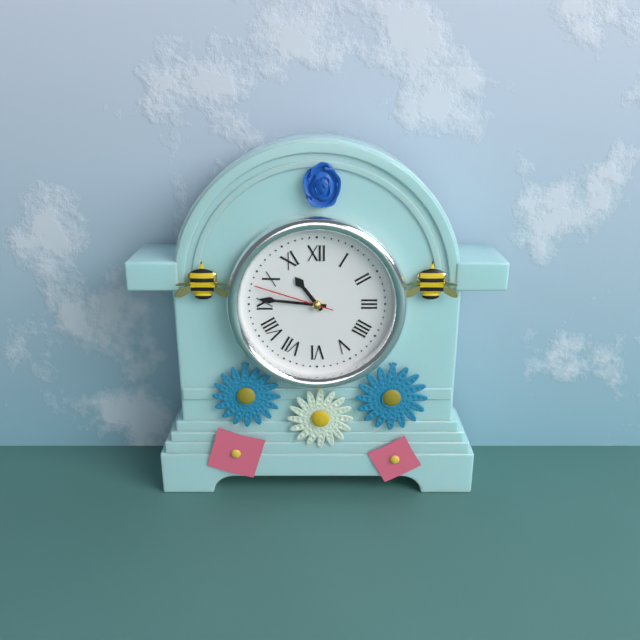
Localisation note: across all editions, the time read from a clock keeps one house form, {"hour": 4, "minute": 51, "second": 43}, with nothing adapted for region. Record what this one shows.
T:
{"hour": 10, "minute": 46, "second": 48}
